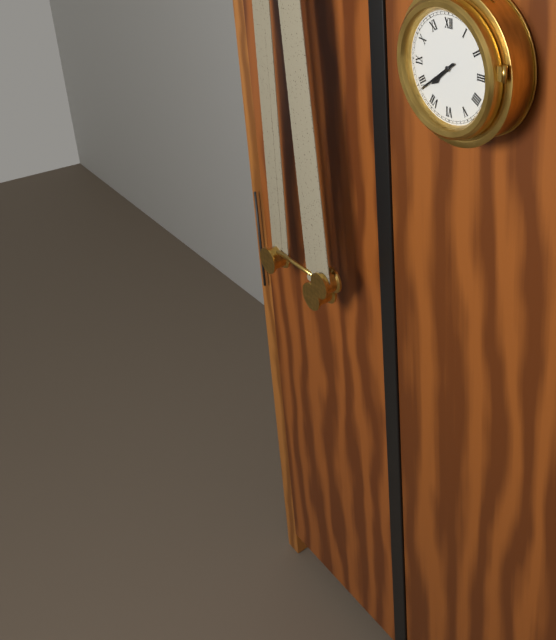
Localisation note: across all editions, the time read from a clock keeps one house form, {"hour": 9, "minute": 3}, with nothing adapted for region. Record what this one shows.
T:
{"hour": 7, "minute": 39}
